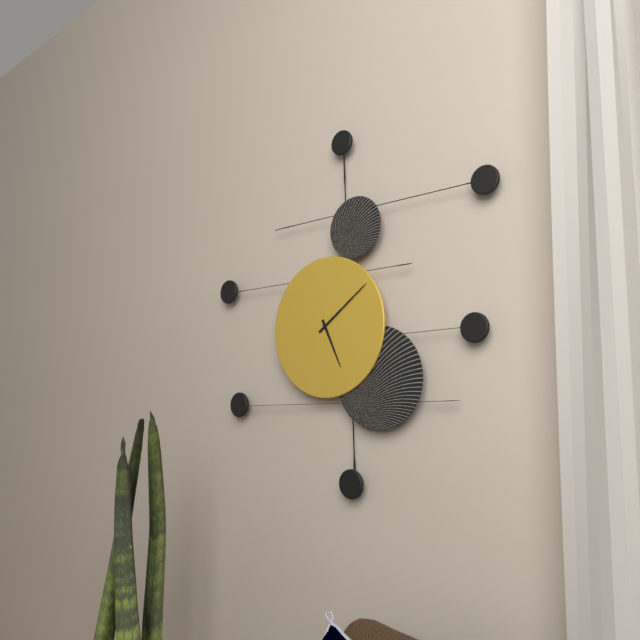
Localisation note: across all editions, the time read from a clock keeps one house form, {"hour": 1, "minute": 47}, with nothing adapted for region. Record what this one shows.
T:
{"hour": 5, "minute": 9}
